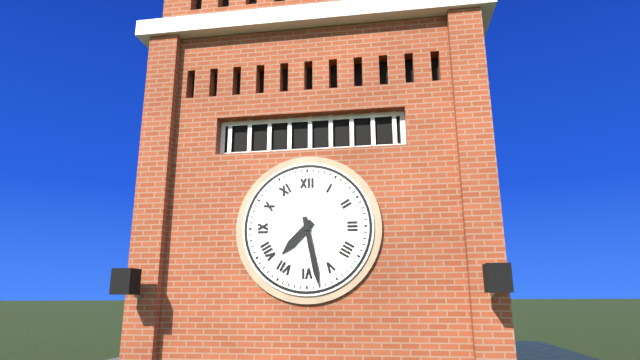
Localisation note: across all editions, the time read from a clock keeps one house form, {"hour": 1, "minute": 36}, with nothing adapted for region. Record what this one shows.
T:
{"hour": 7, "minute": 28}
